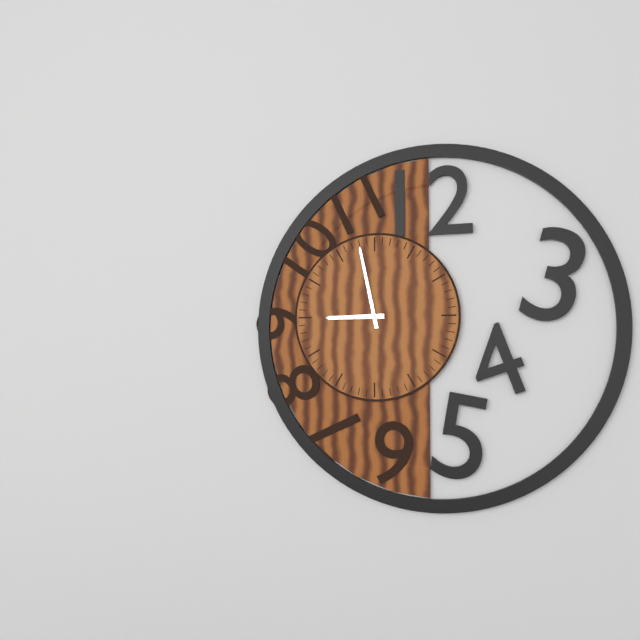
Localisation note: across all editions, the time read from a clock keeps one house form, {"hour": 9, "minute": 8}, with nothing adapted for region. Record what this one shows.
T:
{"hour": 8, "minute": 58}
